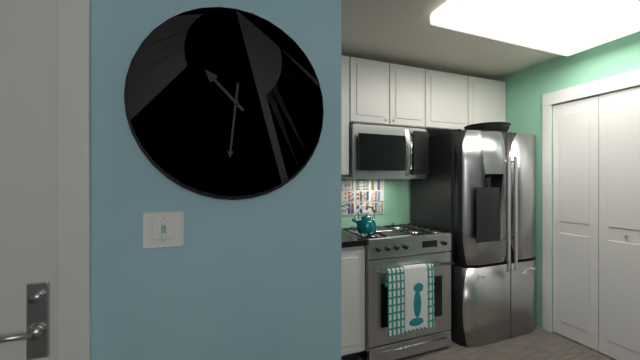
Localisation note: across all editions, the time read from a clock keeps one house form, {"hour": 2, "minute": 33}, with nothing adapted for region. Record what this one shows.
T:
{"hour": 10, "minute": 31}
